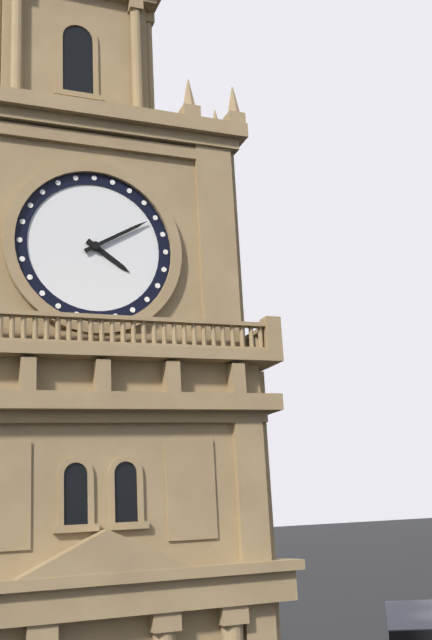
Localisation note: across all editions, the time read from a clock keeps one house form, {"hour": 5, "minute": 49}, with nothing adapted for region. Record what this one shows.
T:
{"hour": 4, "minute": 10}
